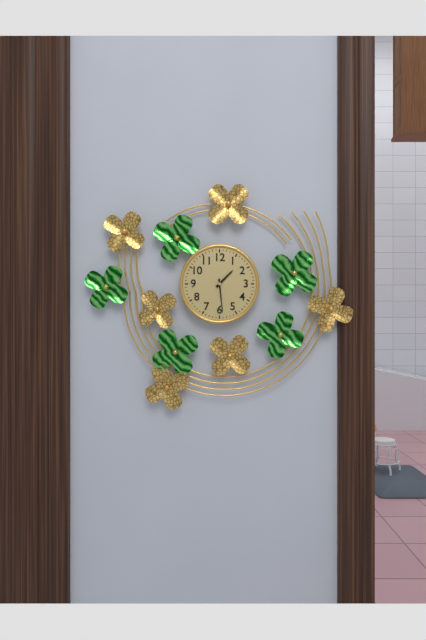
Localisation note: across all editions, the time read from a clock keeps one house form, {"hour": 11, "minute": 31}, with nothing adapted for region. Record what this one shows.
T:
{"hour": 1, "minute": 29}
